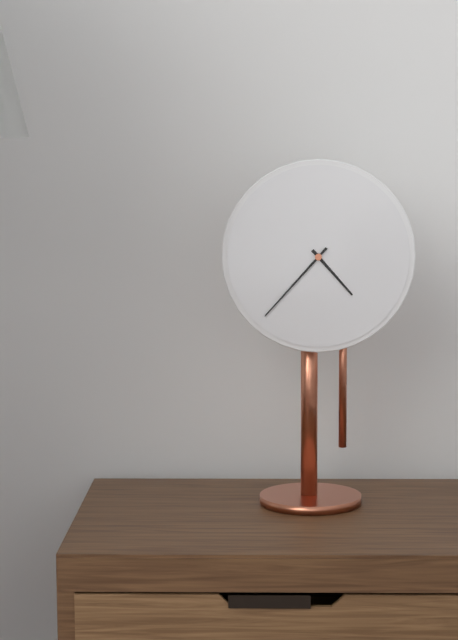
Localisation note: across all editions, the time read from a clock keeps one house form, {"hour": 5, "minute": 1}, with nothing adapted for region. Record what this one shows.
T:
{"hour": 4, "minute": 37}
